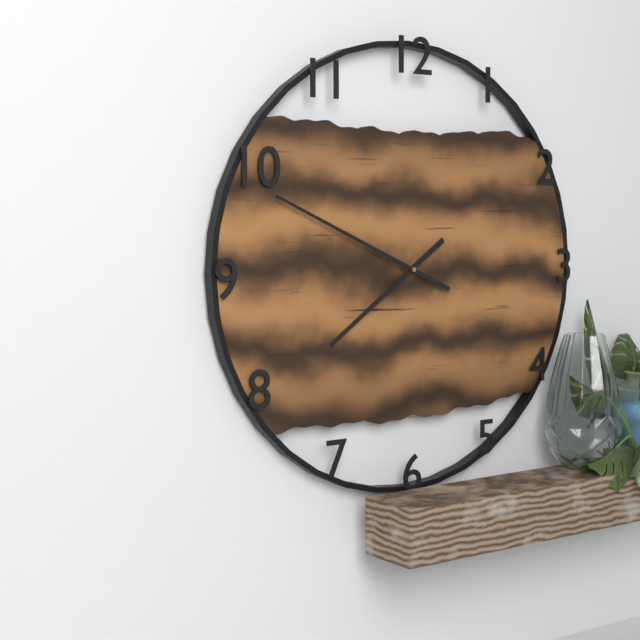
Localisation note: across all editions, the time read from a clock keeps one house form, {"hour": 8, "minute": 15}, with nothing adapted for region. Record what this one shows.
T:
{"hour": 7, "minute": 49}
